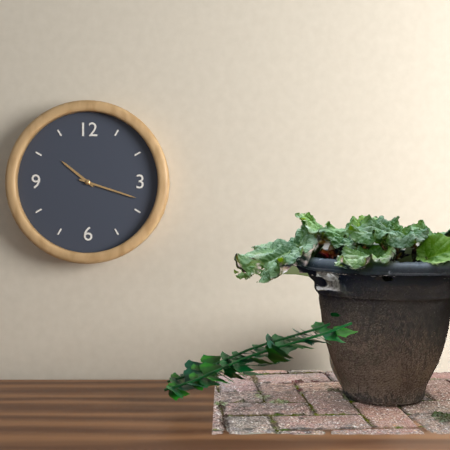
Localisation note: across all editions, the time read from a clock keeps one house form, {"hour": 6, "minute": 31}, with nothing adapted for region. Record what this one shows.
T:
{"hour": 10, "minute": 18}
